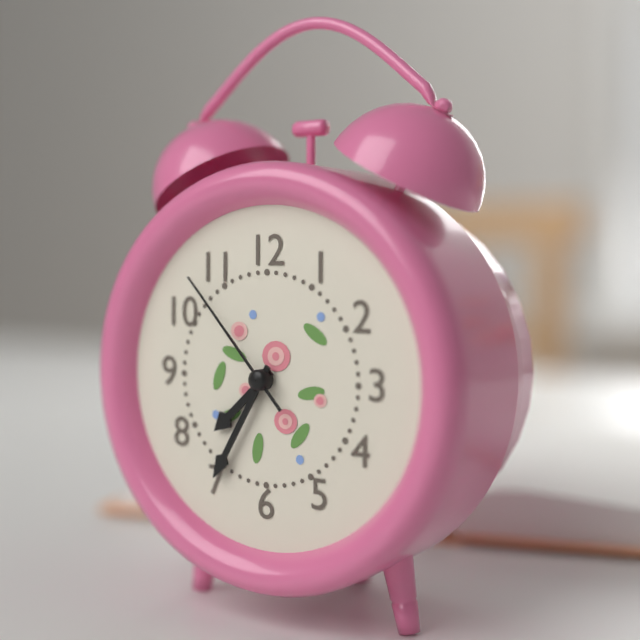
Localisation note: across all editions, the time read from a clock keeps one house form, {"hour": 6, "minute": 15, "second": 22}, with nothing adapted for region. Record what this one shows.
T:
{"hour": 7, "minute": 35, "second": 53}
